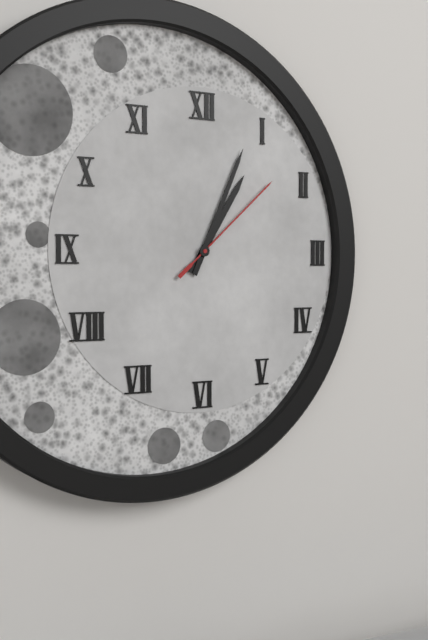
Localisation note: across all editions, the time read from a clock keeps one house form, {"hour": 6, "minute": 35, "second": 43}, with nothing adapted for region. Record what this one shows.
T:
{"hour": 1, "minute": 4, "second": 8}
